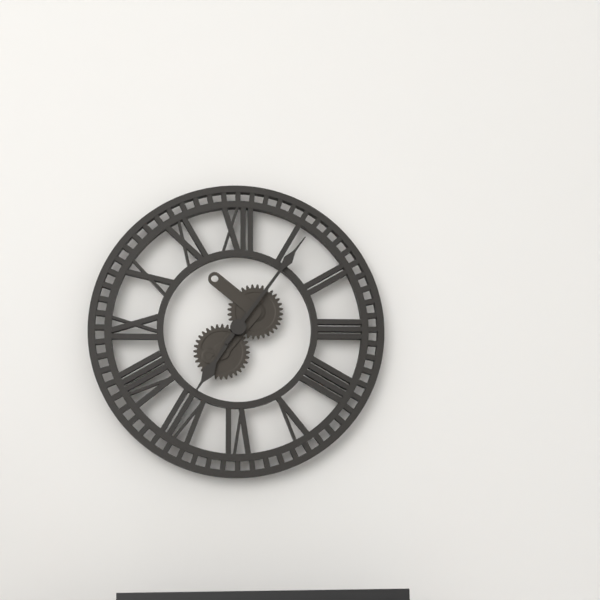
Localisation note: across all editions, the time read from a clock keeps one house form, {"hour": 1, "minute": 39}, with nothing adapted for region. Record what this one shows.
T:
{"hour": 7, "minute": 6}
